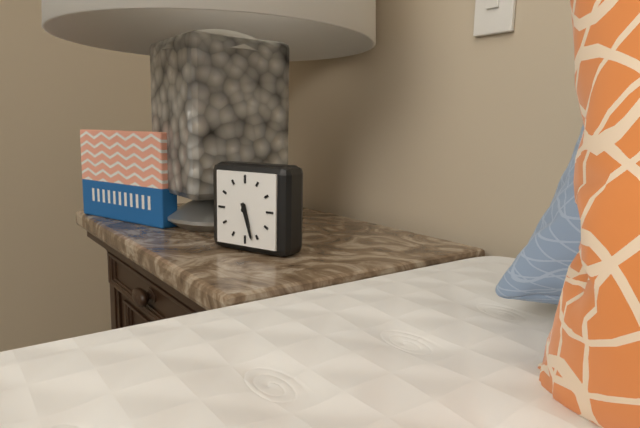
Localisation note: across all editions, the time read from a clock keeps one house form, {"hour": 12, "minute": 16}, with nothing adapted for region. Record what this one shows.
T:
{"hour": 5, "minute": 27}
